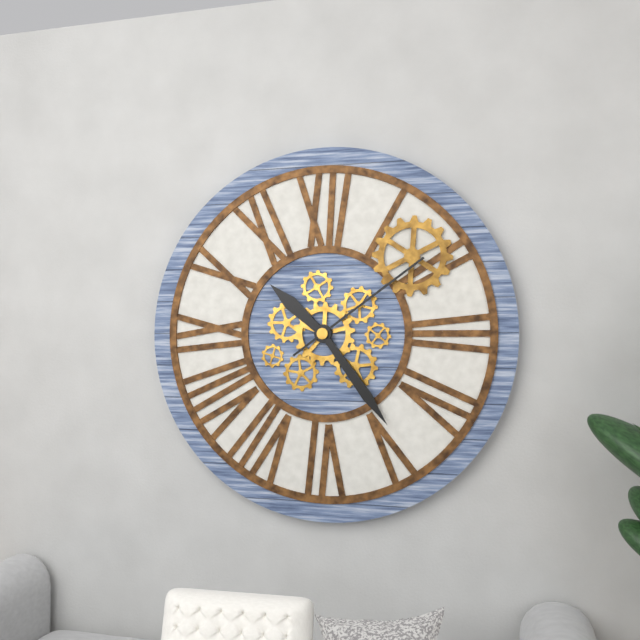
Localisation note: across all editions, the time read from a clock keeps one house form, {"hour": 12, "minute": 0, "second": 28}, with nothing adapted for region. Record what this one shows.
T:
{"hour": 10, "minute": 24, "second": 9}
